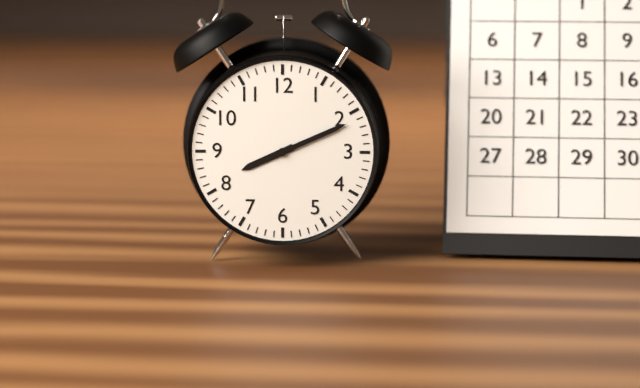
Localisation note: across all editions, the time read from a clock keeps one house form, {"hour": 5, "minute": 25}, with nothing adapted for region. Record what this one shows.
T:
{"hour": 8, "minute": 11}
